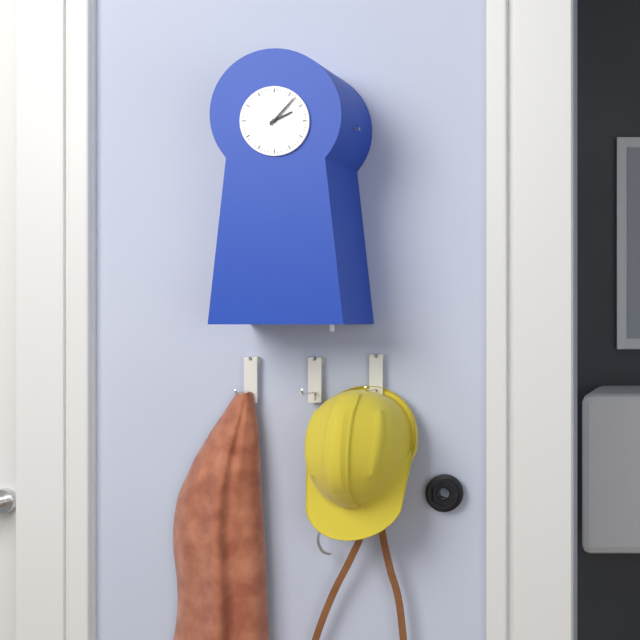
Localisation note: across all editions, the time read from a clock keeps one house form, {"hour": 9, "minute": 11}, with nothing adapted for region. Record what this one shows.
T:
{"hour": 2, "minute": 7}
